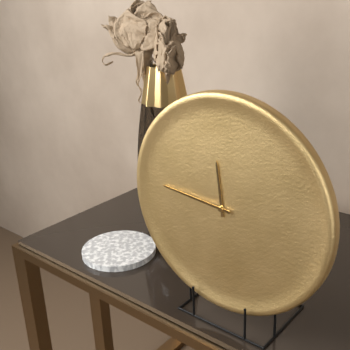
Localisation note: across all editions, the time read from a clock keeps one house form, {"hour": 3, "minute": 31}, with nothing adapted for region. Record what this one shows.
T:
{"hour": 11, "minute": 46}
